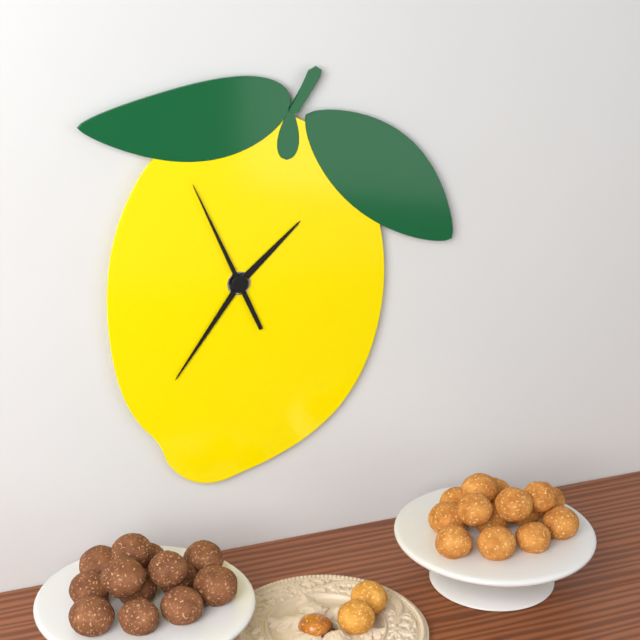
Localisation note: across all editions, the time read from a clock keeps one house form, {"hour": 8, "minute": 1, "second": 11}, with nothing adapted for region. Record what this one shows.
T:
{"hour": 1, "minute": 36, "second": 56}
